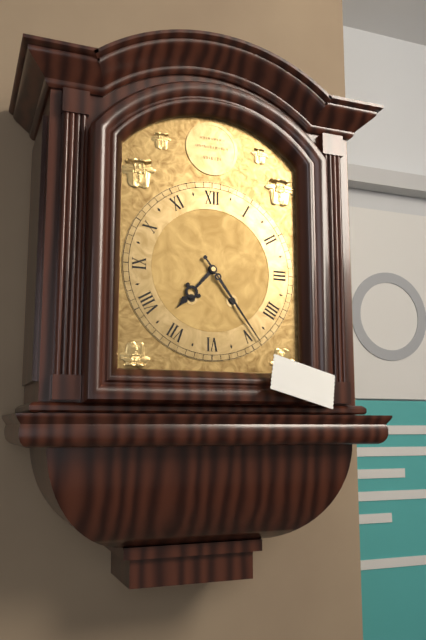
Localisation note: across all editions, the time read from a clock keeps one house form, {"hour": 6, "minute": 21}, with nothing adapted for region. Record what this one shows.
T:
{"hour": 7, "minute": 24}
